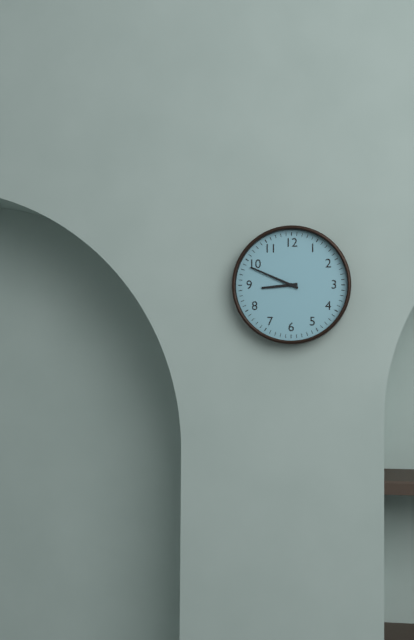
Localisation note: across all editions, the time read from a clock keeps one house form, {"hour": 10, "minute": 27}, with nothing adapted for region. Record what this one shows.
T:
{"hour": 8, "minute": 49}
